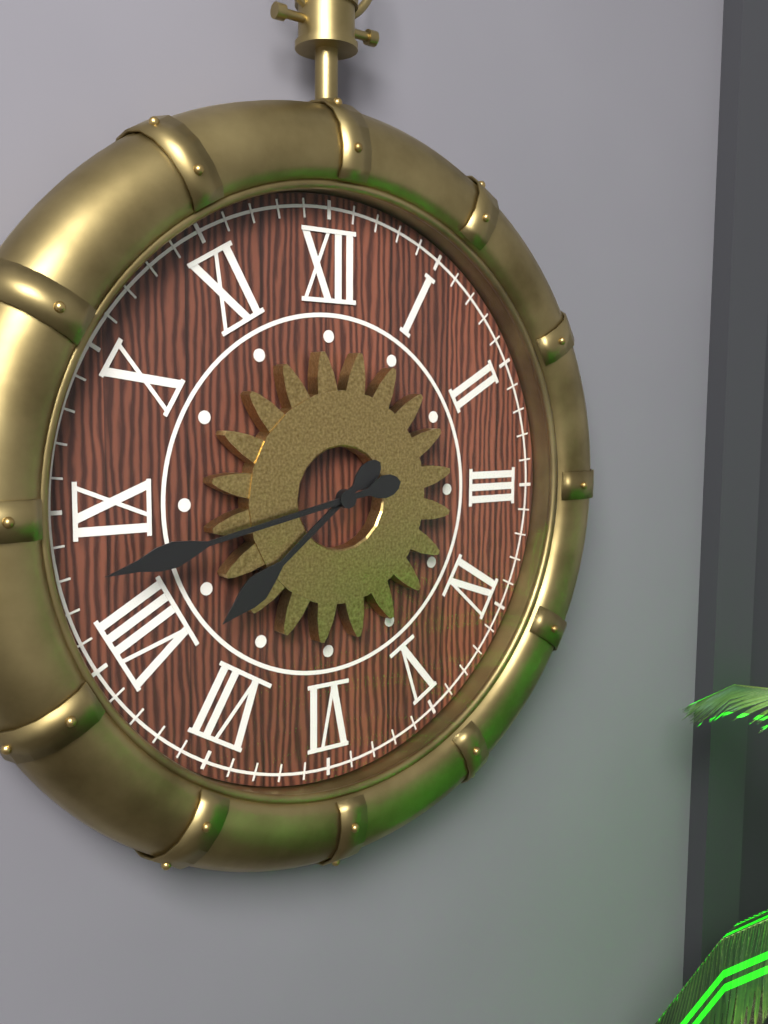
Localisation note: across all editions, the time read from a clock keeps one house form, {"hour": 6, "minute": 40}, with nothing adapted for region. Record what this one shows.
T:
{"hour": 7, "minute": 43}
